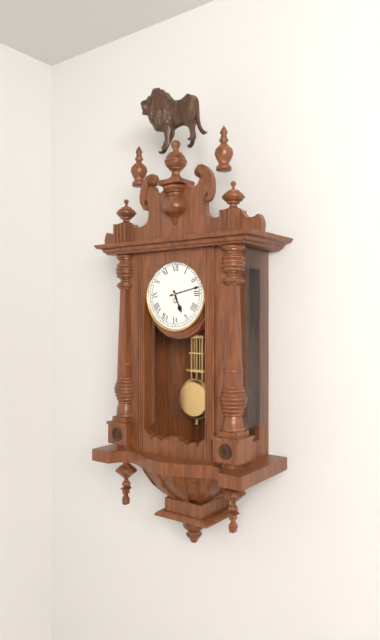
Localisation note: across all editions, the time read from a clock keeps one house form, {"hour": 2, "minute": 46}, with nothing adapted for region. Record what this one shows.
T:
{"hour": 5, "minute": 13}
